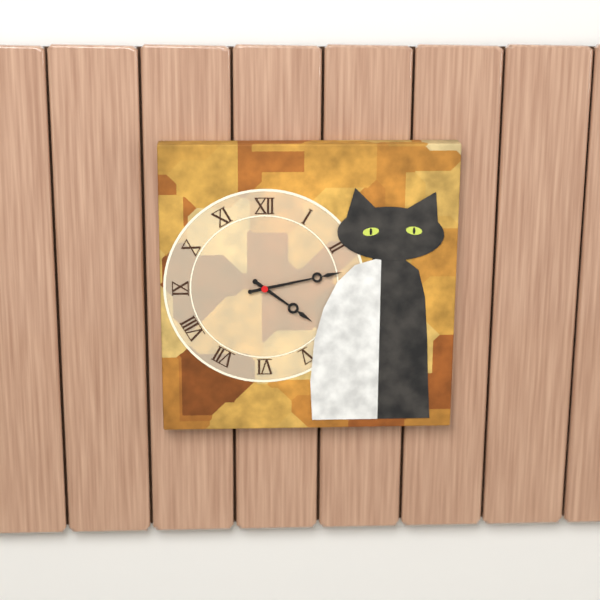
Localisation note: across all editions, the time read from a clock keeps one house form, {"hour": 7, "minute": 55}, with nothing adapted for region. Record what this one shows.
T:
{"hour": 4, "minute": 13}
